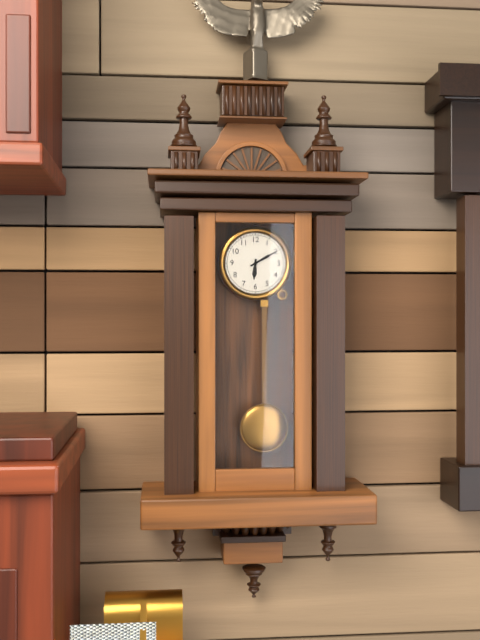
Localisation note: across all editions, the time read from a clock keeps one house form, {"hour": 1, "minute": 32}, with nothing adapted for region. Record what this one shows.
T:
{"hour": 6, "minute": 10}
